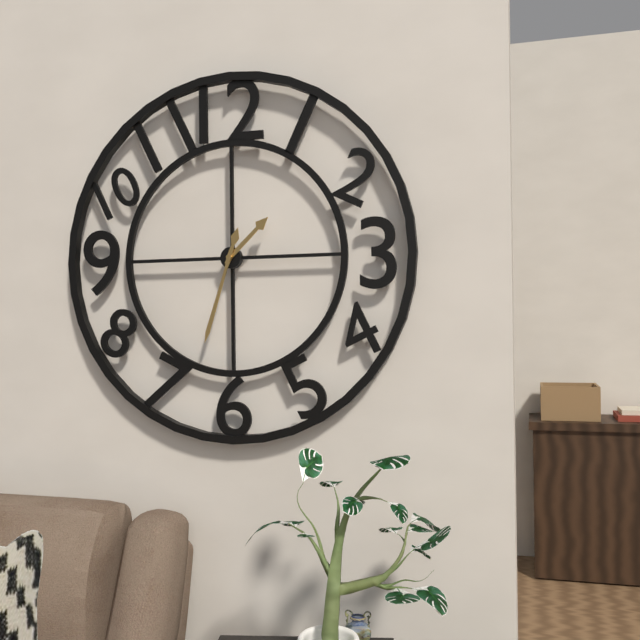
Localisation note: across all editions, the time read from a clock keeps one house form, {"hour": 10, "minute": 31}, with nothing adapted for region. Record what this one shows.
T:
{"hour": 1, "minute": 33}
